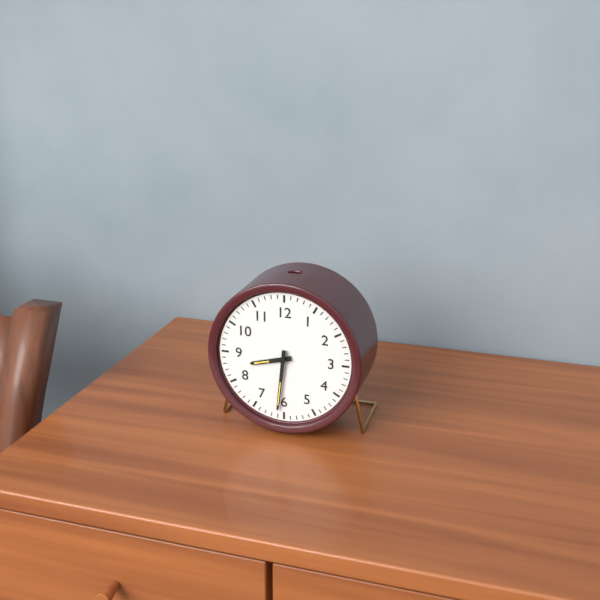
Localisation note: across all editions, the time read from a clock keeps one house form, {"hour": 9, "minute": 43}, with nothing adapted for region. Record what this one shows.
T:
{"hour": 8, "minute": 31}
